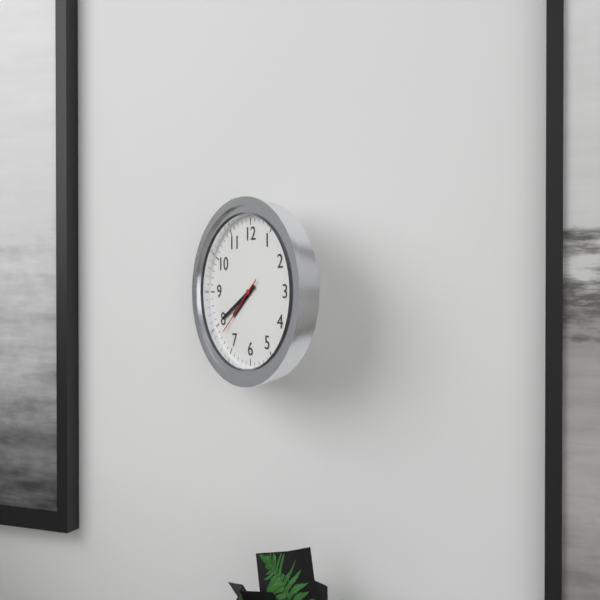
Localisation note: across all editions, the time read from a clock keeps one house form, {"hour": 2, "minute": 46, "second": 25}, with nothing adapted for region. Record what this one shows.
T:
{"hour": 7, "minute": 40, "second": 38}
